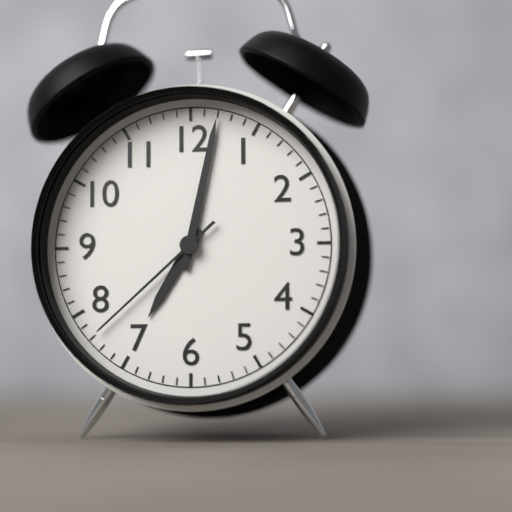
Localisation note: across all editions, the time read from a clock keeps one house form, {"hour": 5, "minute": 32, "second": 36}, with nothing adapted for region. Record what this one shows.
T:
{"hour": 7, "minute": 2, "second": 38}
